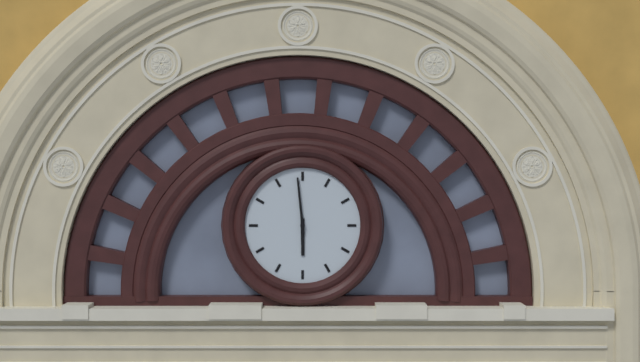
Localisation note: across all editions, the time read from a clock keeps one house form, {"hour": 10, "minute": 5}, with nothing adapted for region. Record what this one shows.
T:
{"hour": 5, "minute": 59}
